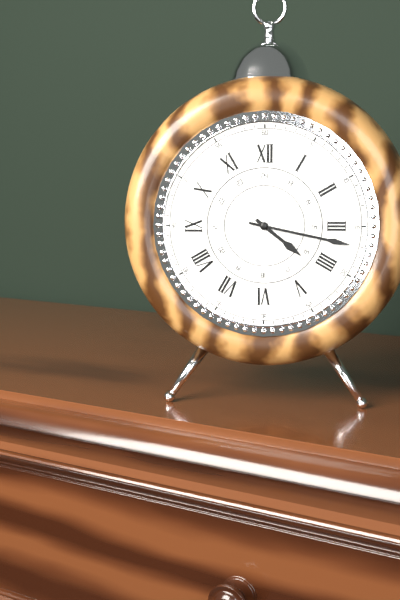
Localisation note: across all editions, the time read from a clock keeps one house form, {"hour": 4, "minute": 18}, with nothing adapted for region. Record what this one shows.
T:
{"hour": 4, "minute": 17}
